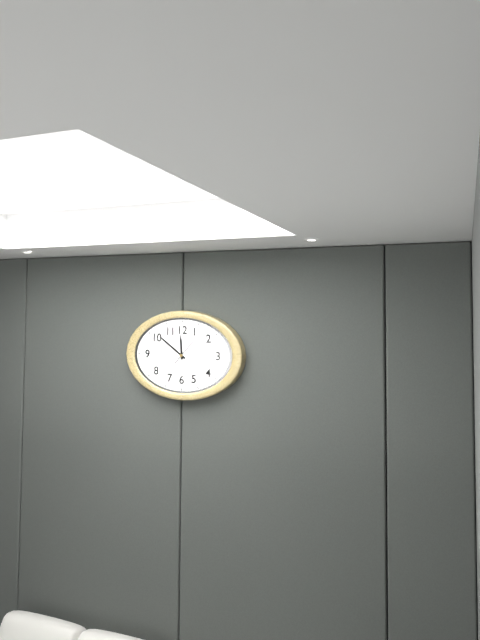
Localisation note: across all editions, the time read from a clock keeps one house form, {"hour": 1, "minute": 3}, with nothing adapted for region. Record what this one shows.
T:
{"hour": 11, "minute": 51}
